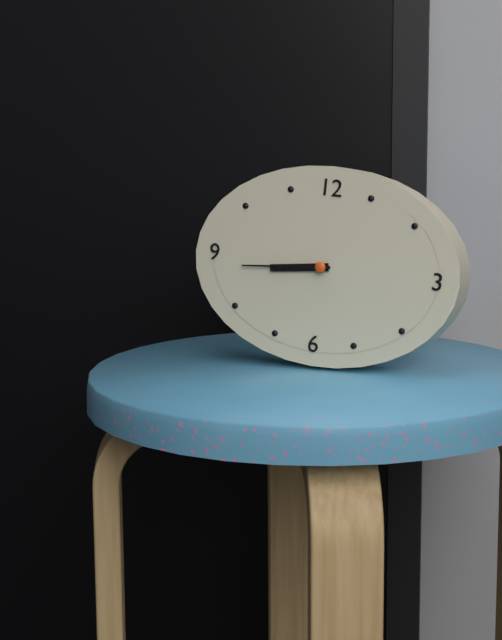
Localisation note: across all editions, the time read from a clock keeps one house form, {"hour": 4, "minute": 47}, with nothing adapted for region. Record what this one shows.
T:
{"hour": 8, "minute": 44}
